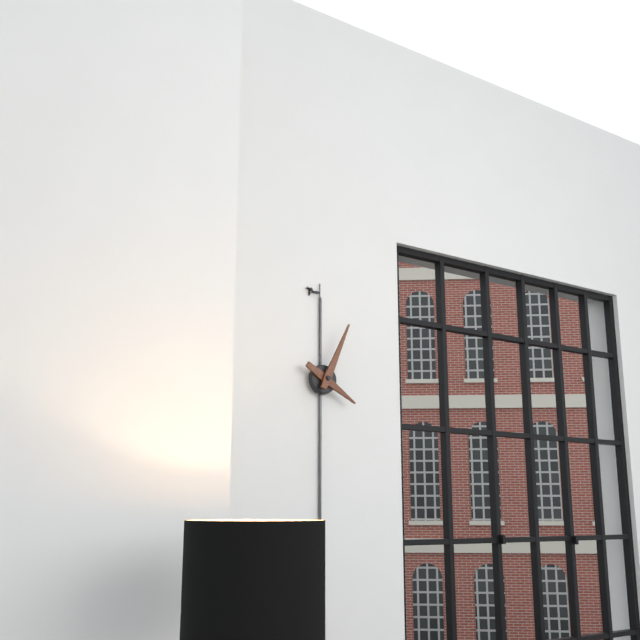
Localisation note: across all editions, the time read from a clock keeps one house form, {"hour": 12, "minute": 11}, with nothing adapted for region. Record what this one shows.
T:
{"hour": 4, "minute": 4}
